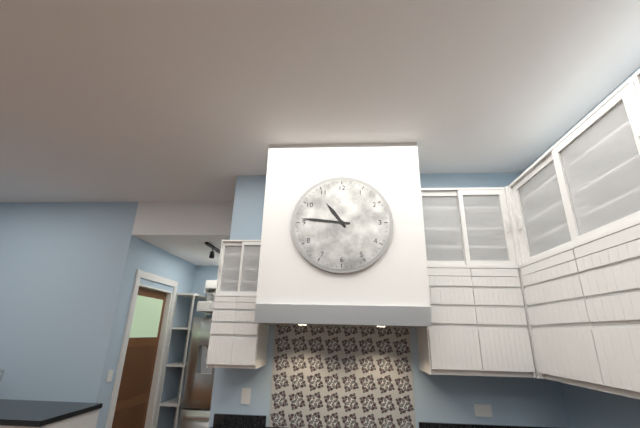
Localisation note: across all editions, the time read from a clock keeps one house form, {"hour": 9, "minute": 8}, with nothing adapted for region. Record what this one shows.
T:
{"hour": 10, "minute": 46}
